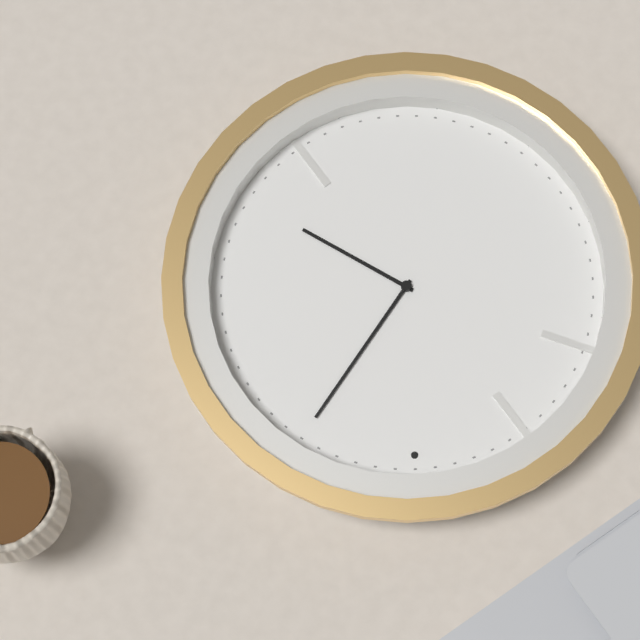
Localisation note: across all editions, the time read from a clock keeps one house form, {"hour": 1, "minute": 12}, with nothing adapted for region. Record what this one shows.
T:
{"hour": 4, "minute": 6}
